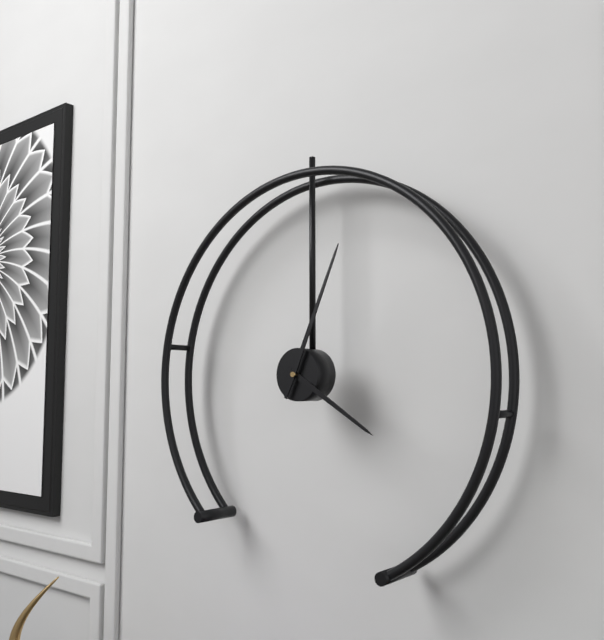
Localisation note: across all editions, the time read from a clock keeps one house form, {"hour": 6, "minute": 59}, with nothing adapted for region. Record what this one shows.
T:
{"hour": 4, "minute": 4}
